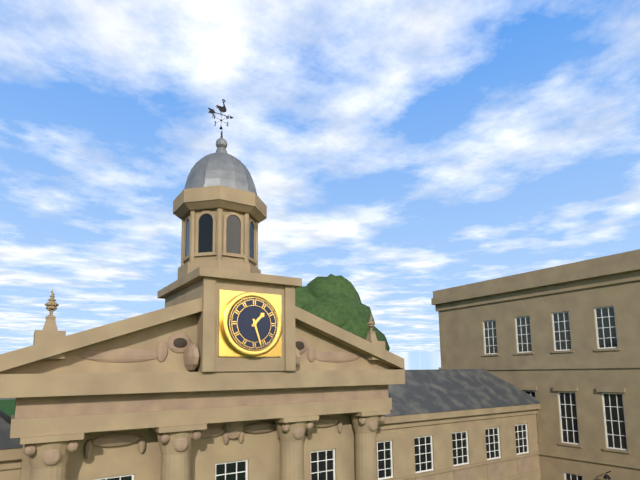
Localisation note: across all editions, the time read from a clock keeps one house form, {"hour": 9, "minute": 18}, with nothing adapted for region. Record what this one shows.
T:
{"hour": 1, "minute": 27}
